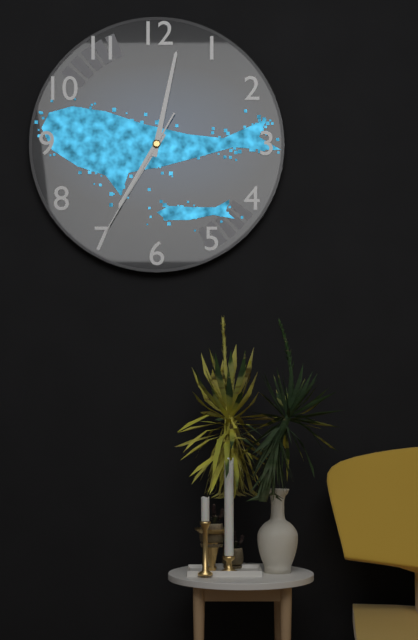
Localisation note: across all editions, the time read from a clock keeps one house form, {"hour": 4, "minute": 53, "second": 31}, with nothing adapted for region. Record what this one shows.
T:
{"hour": 7, "minute": 2, "second": 35}
